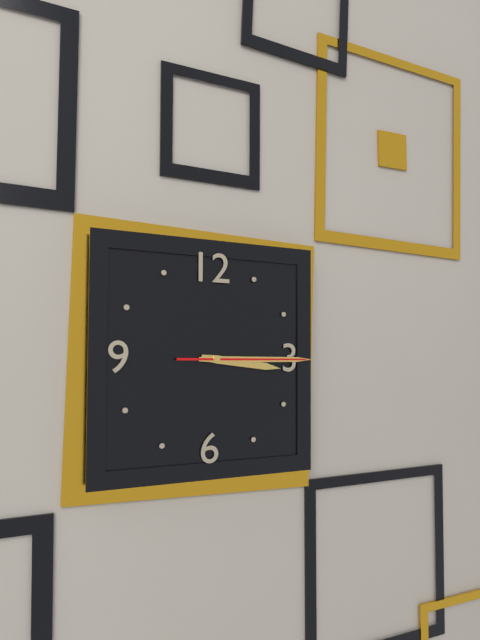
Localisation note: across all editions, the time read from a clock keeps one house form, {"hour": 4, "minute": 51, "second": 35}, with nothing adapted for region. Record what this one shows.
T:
{"hour": 3, "minute": 15, "second": 15}
